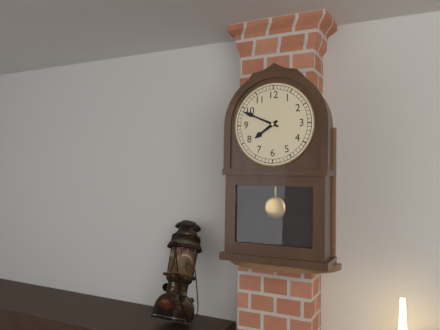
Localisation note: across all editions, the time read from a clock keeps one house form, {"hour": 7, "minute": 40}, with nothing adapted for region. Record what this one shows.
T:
{"hour": 7, "minute": 49}
